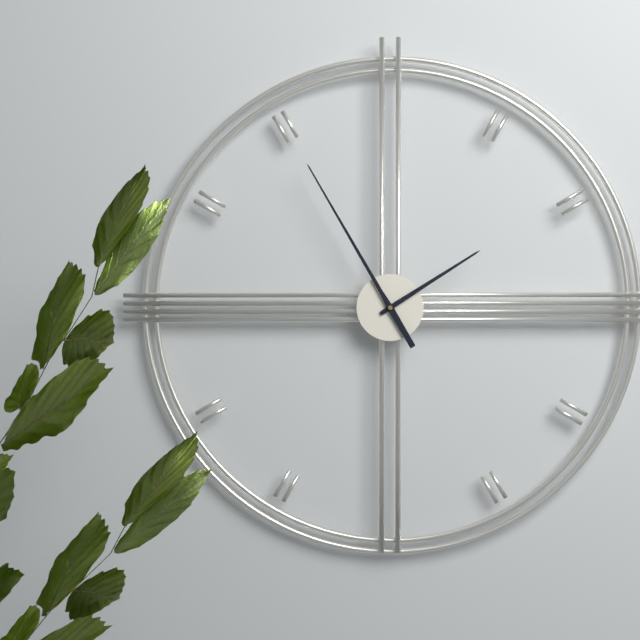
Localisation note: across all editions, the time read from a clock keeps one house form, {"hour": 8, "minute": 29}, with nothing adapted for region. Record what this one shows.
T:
{"hour": 1, "minute": 55}
